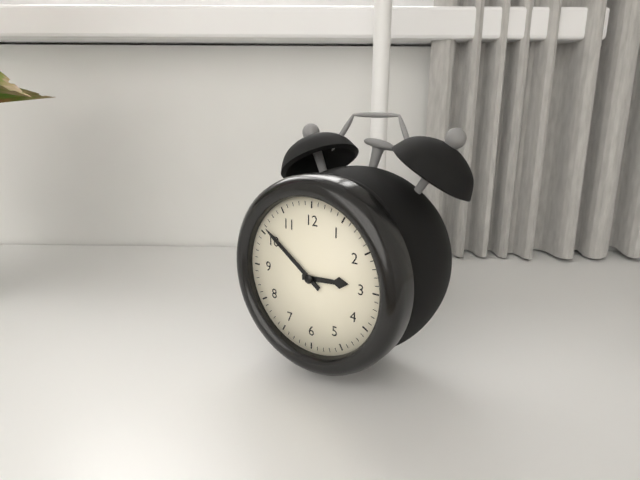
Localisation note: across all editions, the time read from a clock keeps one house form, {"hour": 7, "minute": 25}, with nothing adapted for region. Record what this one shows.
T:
{"hour": 2, "minute": 51}
